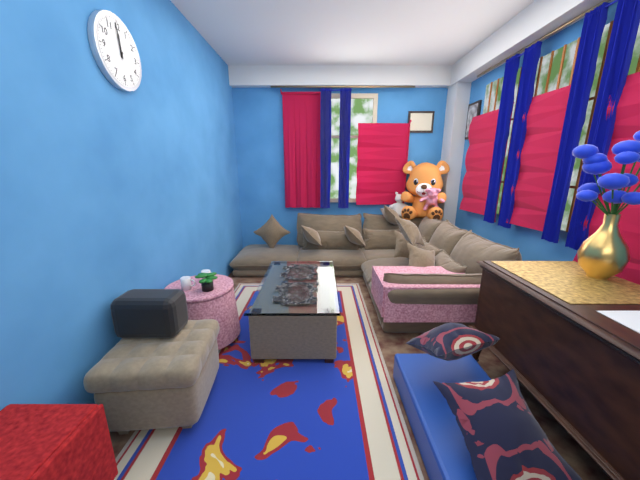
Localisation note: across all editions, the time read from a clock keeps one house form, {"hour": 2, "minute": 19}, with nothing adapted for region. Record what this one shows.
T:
{"hour": 11, "minute": 59}
